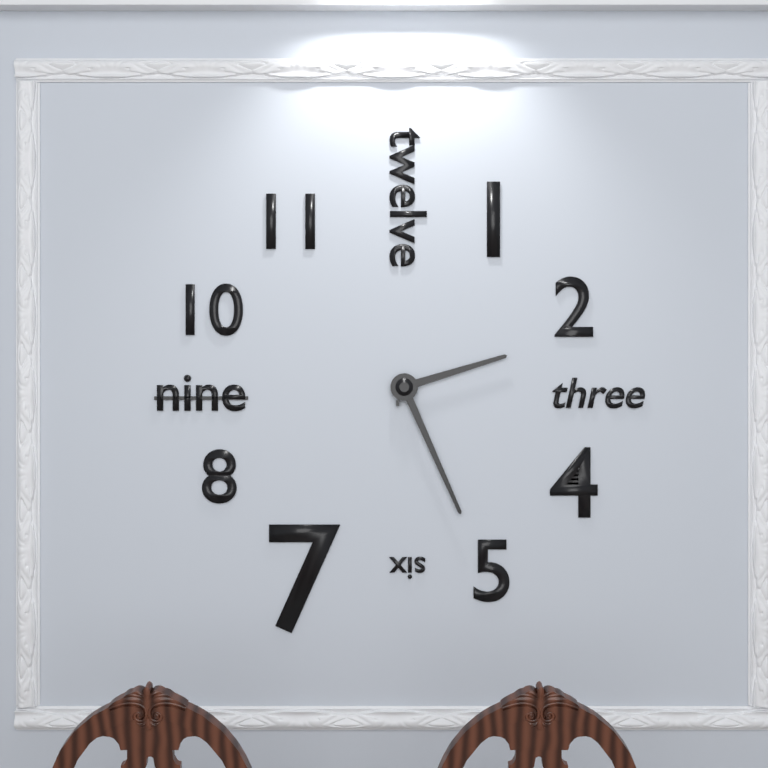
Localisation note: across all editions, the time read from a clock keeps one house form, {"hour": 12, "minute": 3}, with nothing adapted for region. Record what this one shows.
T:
{"hour": 2, "minute": 26}
